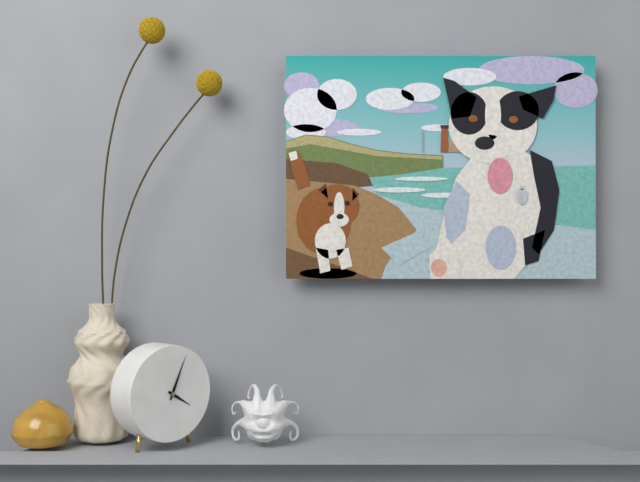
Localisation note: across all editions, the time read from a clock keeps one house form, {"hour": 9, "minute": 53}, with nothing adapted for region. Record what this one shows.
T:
{"hour": 4, "minute": 4}
